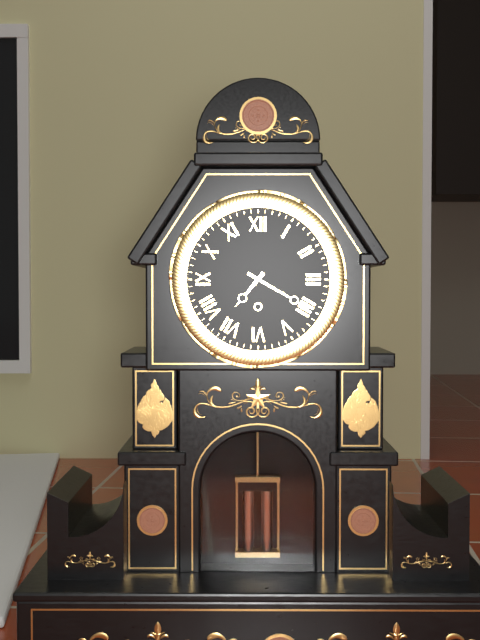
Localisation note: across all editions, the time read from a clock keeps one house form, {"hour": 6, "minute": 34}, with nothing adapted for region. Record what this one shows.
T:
{"hour": 7, "minute": 20}
